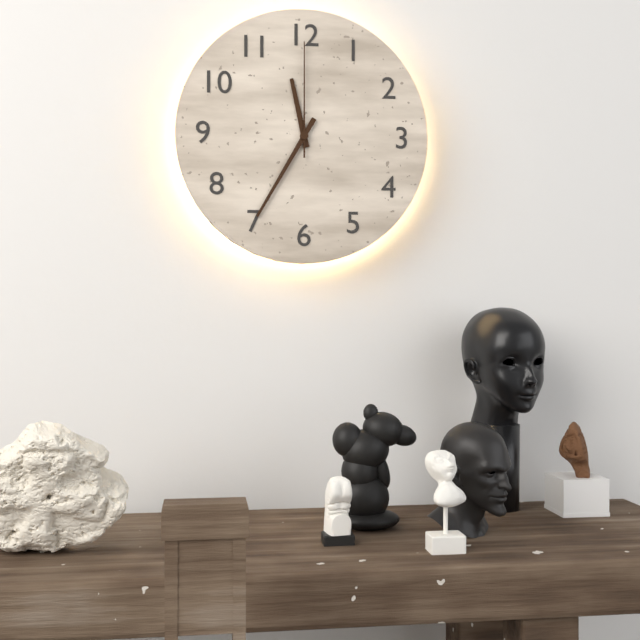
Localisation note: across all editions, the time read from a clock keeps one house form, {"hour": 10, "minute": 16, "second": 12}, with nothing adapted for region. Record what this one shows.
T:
{"hour": 11, "minute": 35, "second": 0}
